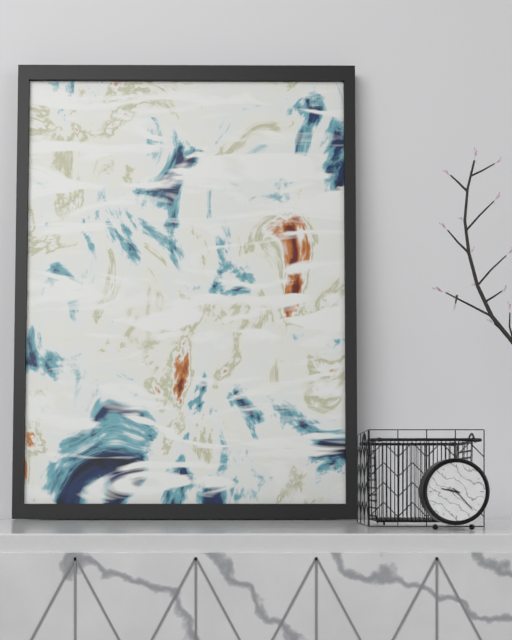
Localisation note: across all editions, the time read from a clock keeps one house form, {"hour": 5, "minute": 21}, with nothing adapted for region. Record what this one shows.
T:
{"hour": 9, "minute": 23}
